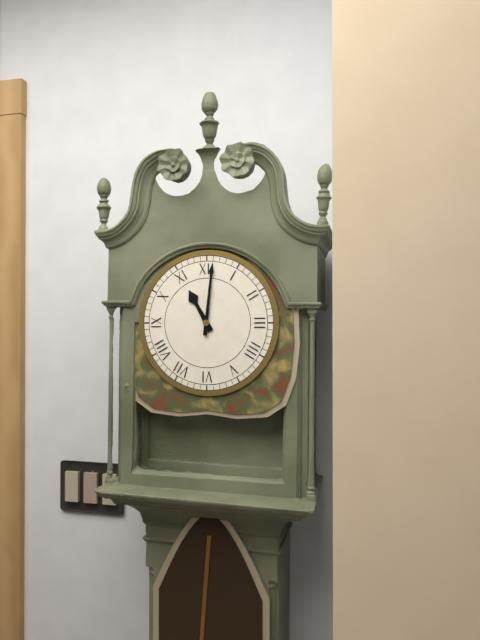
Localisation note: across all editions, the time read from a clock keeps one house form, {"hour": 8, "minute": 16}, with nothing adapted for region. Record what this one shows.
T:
{"hour": 11, "minute": 1}
